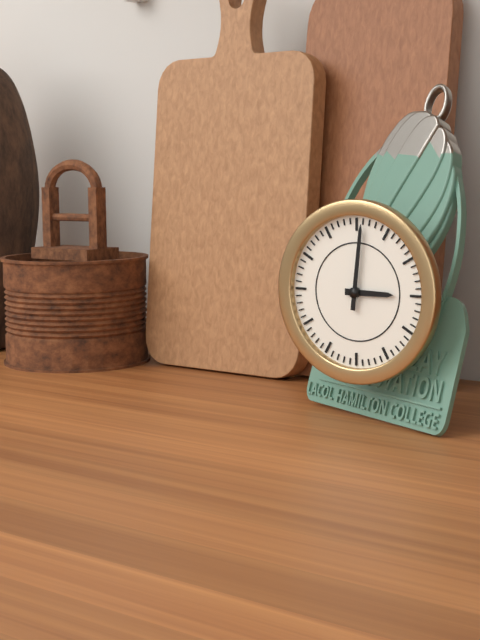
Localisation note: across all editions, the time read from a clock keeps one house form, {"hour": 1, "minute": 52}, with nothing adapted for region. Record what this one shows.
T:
{"hour": 3, "minute": 1}
